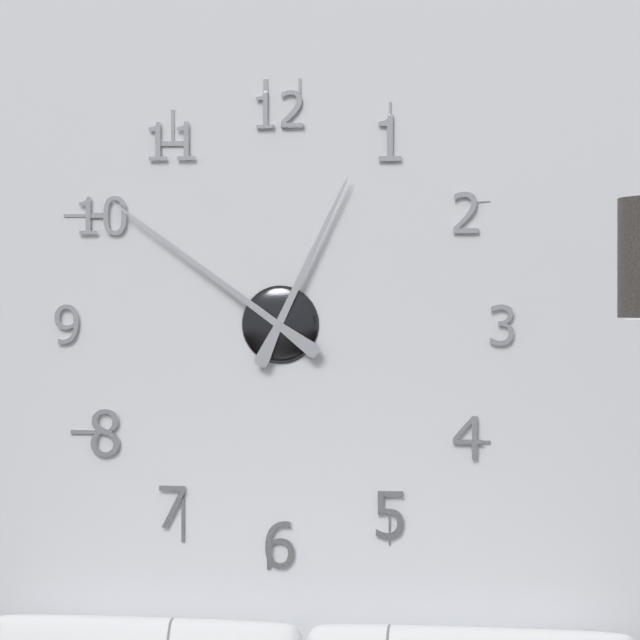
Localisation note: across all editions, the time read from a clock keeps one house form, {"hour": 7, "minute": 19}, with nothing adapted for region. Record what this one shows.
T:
{"hour": 12, "minute": 51}
